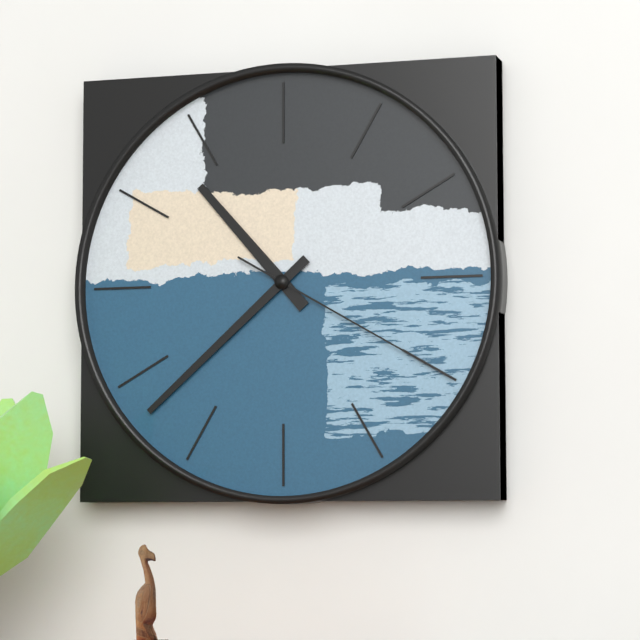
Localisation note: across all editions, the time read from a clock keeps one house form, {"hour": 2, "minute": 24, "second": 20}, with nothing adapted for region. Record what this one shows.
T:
{"hour": 10, "minute": 38, "second": 20}
